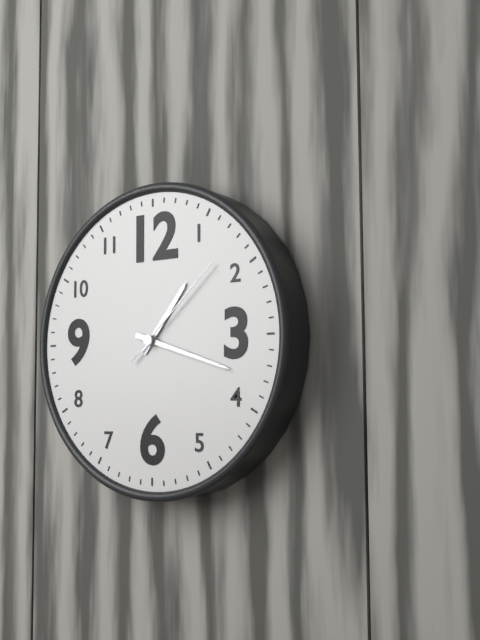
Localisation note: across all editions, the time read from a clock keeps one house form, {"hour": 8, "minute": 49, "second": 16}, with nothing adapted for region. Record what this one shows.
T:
{"hour": 1, "minute": 18, "second": 8}
